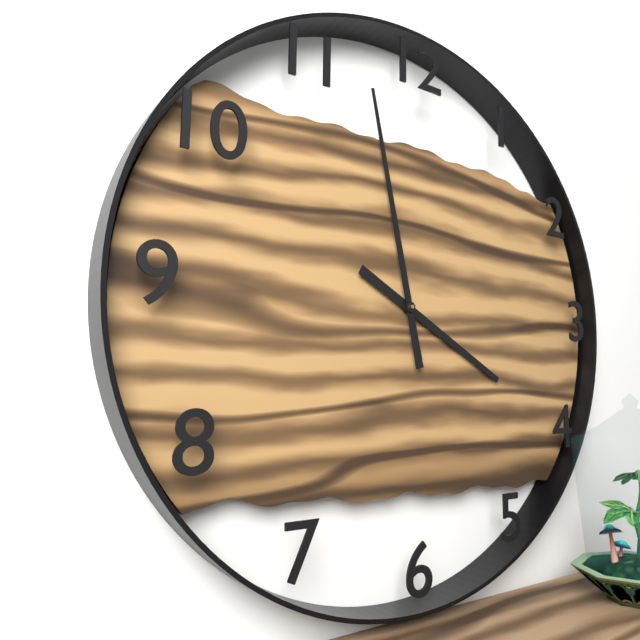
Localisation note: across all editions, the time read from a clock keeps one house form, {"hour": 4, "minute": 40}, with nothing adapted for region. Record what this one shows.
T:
{"hour": 3, "minute": 58}
